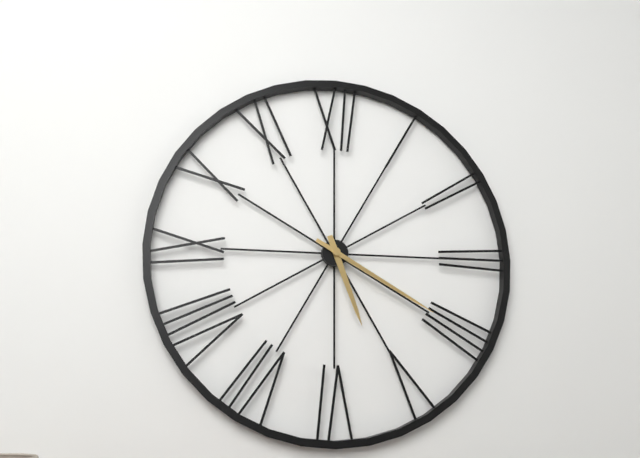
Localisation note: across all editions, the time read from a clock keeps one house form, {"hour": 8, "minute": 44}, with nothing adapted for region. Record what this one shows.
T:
{"hour": 5, "minute": 20}
